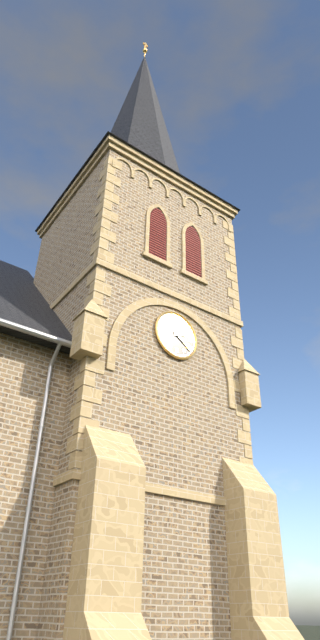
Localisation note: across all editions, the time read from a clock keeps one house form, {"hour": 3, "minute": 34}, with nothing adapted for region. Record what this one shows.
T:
{"hour": 2, "minute": 21}
